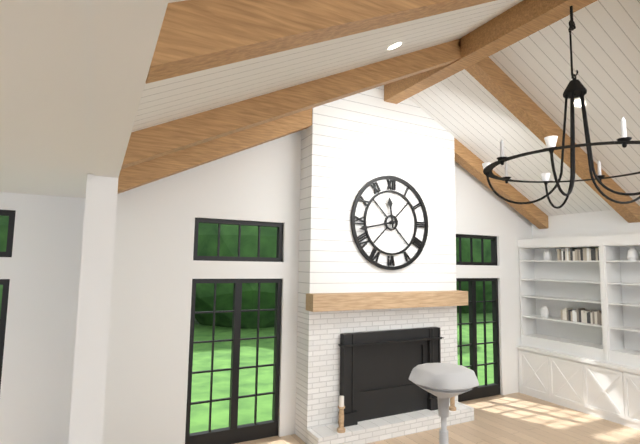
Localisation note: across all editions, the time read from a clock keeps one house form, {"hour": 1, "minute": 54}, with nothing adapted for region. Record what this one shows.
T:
{"hour": 11, "minute": 43}
